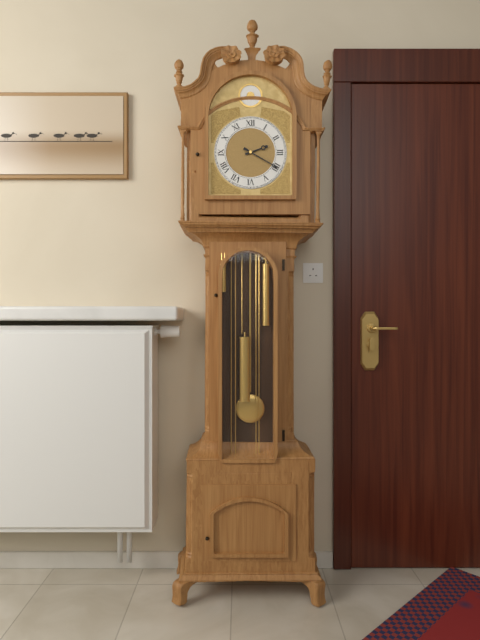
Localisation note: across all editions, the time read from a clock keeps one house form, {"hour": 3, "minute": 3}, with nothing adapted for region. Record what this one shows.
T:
{"hour": 2, "minute": 20}
